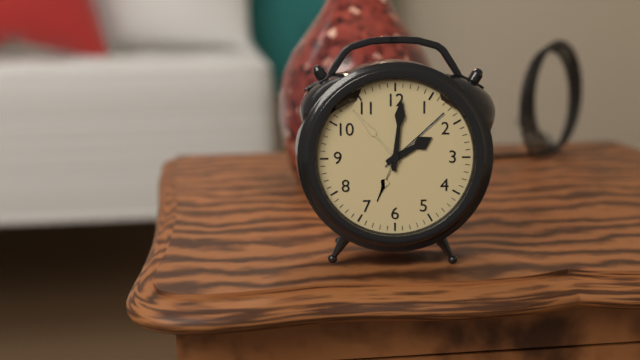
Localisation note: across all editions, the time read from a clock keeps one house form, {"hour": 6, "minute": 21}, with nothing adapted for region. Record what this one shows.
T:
{"hour": 2, "minute": 1}
